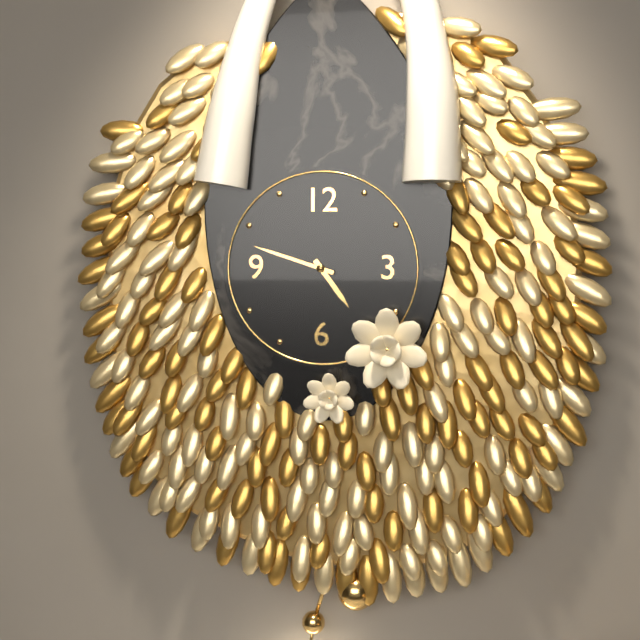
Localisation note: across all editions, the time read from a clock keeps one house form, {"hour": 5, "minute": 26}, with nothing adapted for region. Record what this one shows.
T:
{"hour": 4, "minute": 48}
